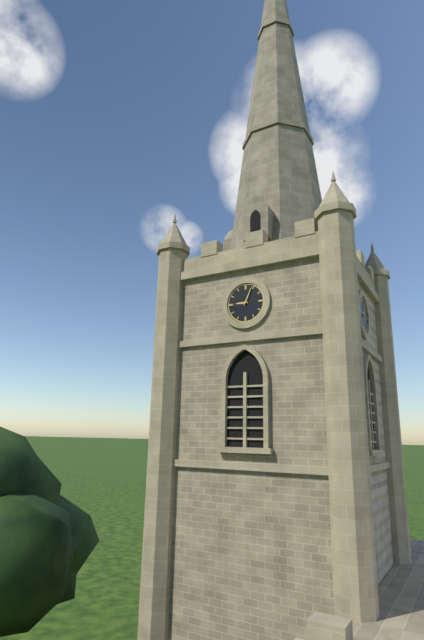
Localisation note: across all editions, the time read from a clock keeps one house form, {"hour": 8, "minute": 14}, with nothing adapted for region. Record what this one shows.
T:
{"hour": 9, "minute": 4}
